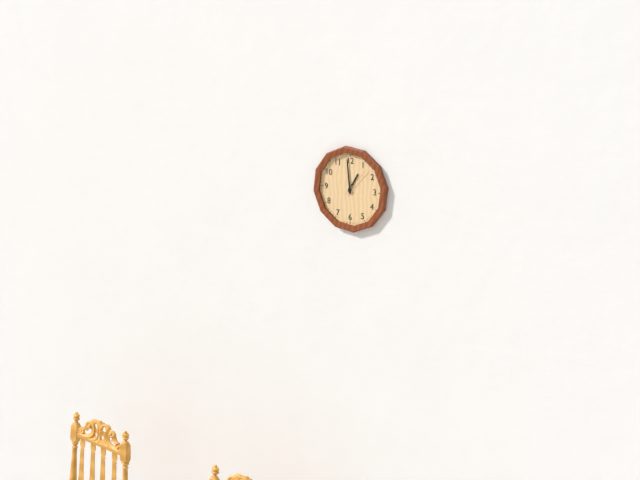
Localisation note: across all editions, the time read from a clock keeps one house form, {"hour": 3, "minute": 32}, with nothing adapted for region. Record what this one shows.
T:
{"hour": 12, "minute": 59}
